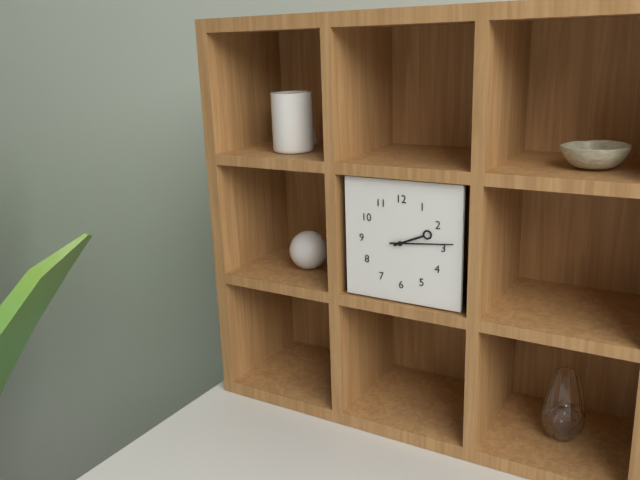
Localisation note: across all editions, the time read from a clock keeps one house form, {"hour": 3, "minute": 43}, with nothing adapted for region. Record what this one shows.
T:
{"hour": 2, "minute": 14}
